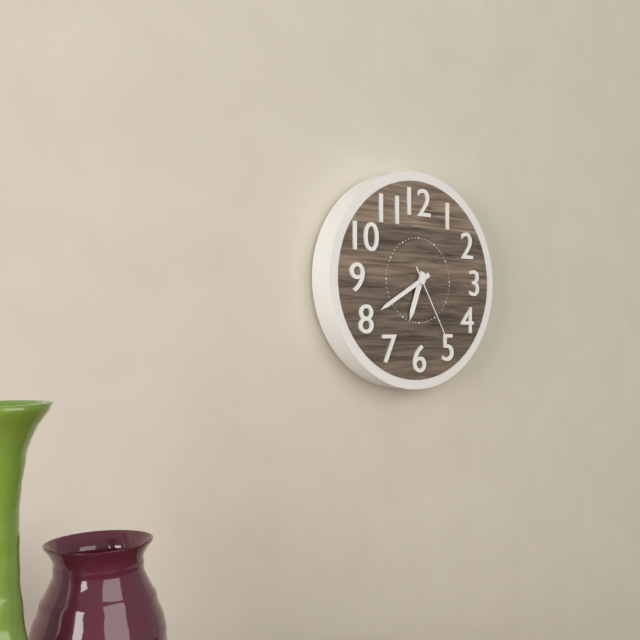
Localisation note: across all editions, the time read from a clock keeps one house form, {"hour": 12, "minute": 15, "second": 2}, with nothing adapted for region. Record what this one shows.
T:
{"hour": 6, "minute": 40, "second": 25}
